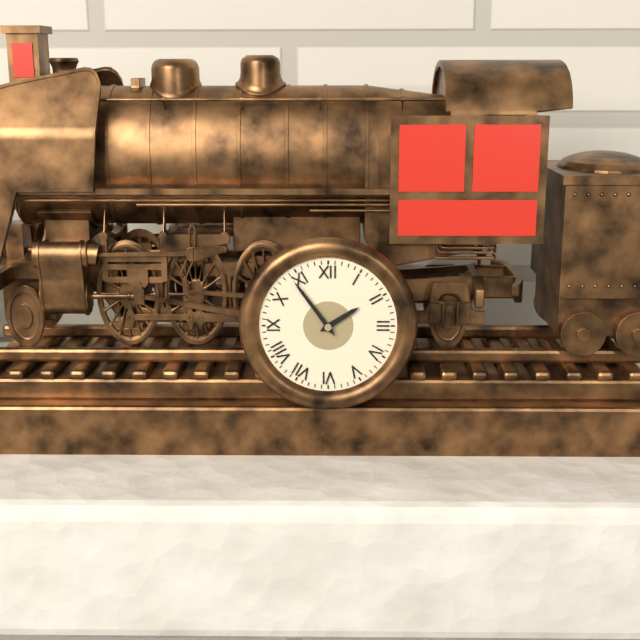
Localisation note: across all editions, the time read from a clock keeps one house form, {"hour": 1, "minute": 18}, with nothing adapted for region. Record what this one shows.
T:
{"hour": 1, "minute": 54}
